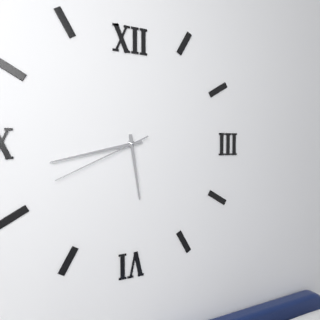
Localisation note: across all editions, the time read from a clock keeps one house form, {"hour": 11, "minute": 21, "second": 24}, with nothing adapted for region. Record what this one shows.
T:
{"hour": 5, "minute": 43, "second": 41}
